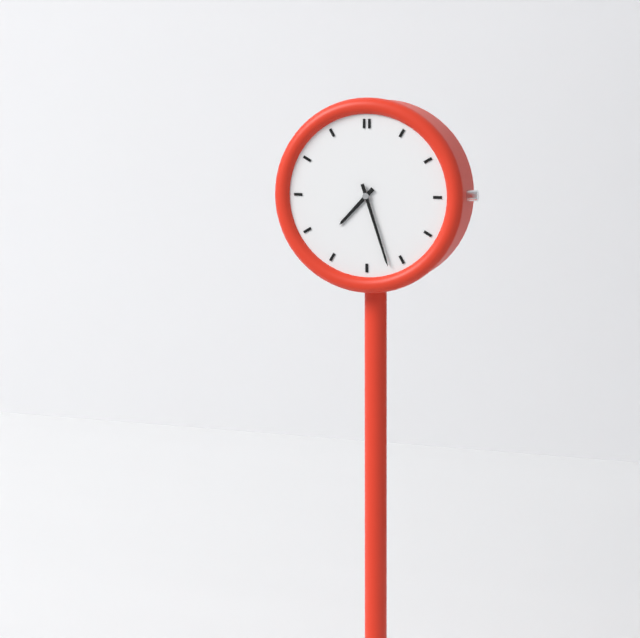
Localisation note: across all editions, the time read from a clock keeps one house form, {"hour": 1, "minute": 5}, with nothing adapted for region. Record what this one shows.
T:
{"hour": 7, "minute": 27}
